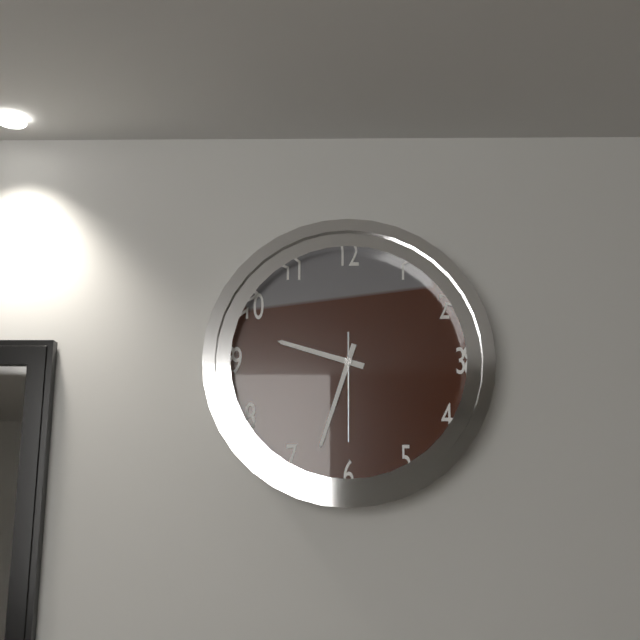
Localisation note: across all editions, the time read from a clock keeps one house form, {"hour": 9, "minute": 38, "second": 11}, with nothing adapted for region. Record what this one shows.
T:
{"hour": 9, "minute": 33, "second": 30}
